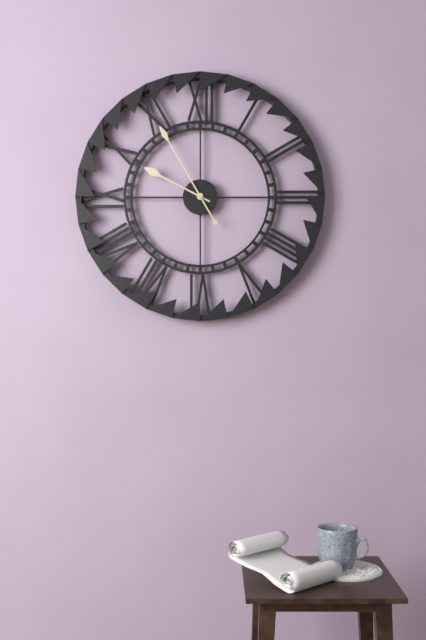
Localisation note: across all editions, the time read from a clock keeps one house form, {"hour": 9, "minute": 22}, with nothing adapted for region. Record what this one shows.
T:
{"hour": 9, "minute": 55}
